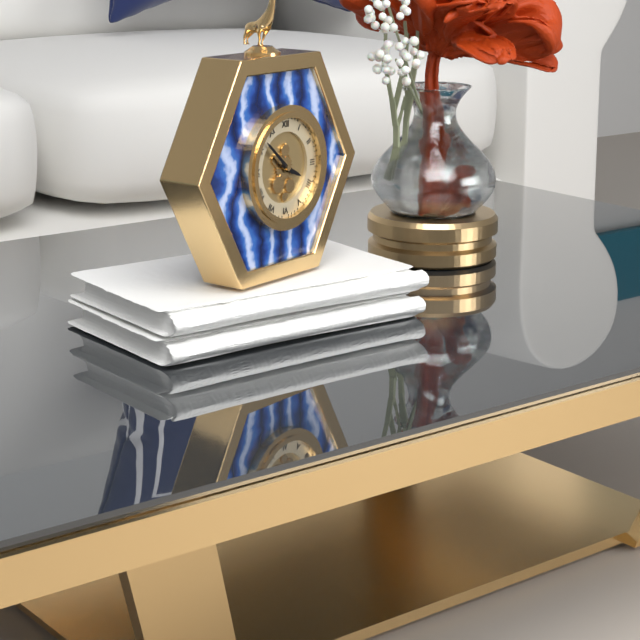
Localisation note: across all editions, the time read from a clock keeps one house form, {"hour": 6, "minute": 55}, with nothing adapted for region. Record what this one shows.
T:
{"hour": 3, "minute": 52}
